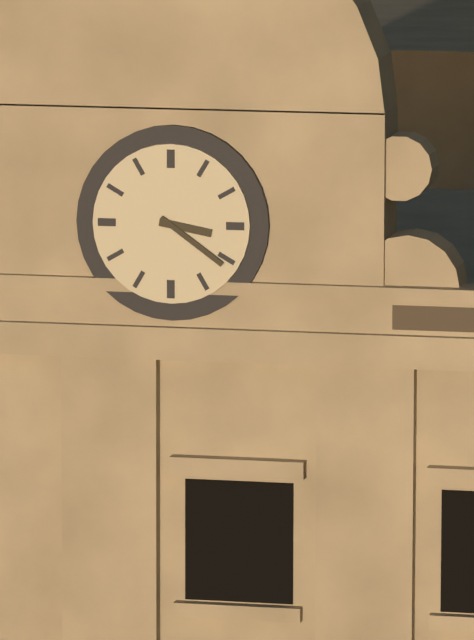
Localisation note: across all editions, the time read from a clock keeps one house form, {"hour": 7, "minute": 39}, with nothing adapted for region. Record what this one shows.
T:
{"hour": 3, "minute": 21}
